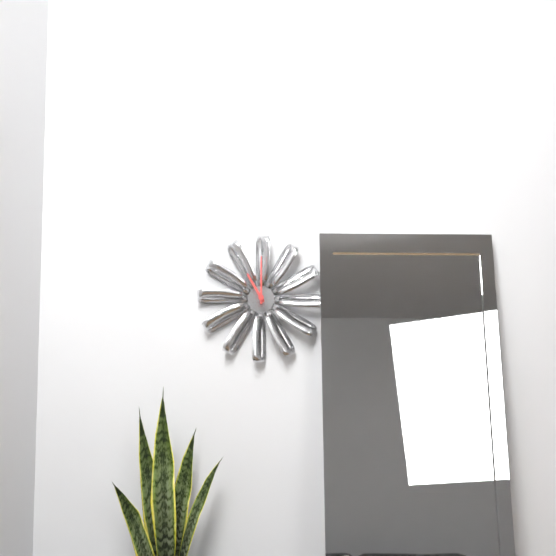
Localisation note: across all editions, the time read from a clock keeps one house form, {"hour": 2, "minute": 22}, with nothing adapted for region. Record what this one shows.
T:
{"hour": 11, "minute": 0}
